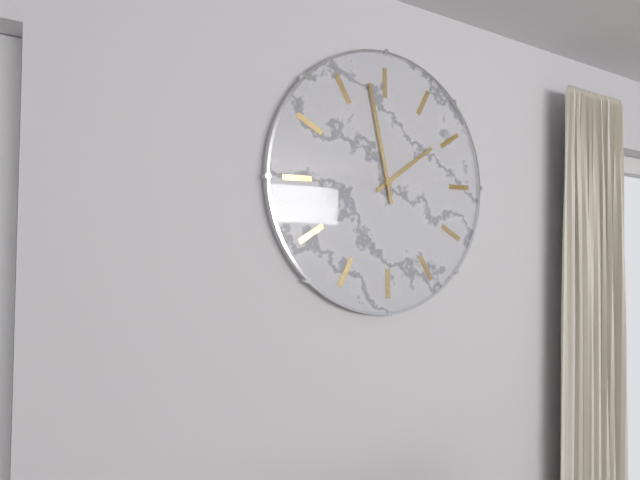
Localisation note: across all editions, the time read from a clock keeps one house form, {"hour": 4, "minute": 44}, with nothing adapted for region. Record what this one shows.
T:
{"hour": 12, "minute": 53}
